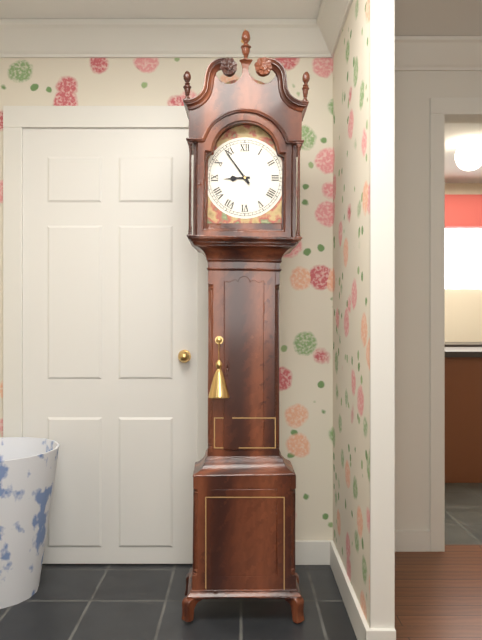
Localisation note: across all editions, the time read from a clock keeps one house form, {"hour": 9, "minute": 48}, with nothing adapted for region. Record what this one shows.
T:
{"hour": 8, "minute": 54}
